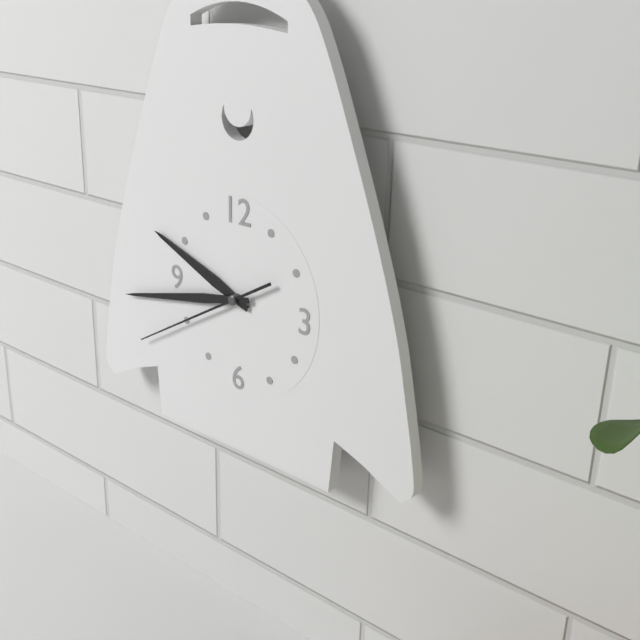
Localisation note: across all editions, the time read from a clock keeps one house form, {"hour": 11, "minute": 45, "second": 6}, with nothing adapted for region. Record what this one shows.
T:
{"hour": 9, "minute": 43, "second": 40}
